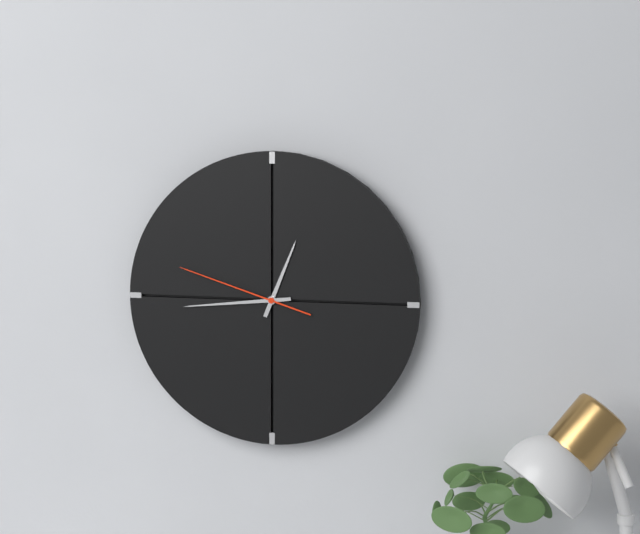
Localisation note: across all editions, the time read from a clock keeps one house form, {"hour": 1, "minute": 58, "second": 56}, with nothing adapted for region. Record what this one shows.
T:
{"hour": 12, "minute": 44, "second": 48}
